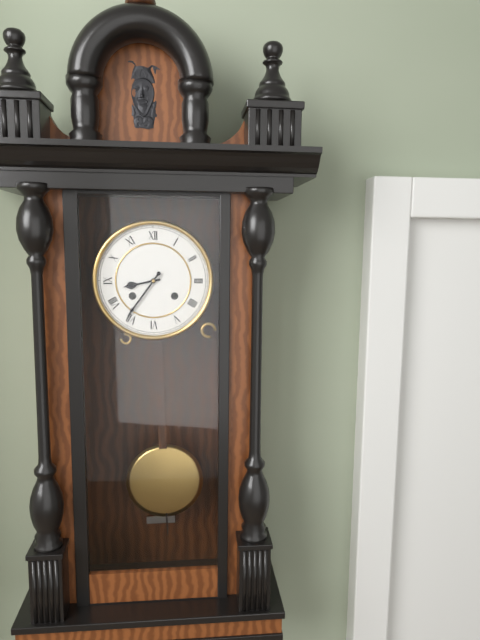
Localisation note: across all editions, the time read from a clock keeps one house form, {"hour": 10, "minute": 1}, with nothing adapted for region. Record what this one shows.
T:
{"hour": 8, "minute": 36}
